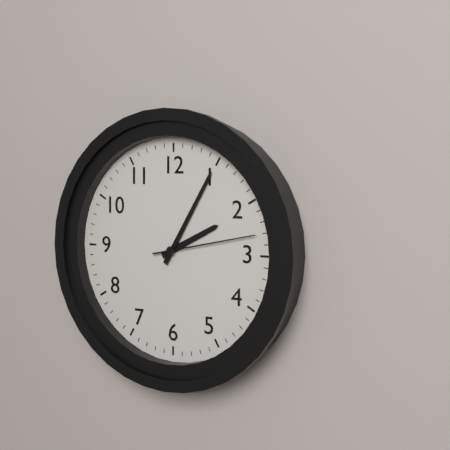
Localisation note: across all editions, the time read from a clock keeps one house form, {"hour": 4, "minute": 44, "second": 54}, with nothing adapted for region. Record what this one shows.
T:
{"hour": 2, "minute": 5, "second": 13}
